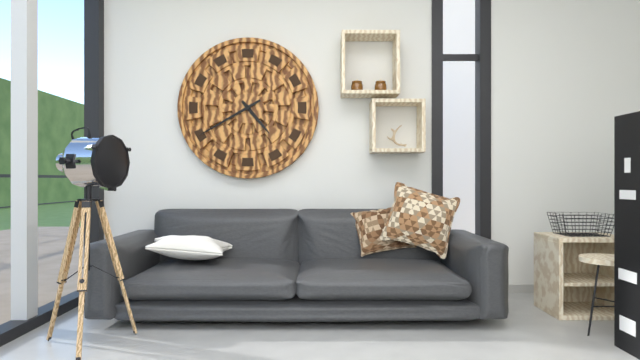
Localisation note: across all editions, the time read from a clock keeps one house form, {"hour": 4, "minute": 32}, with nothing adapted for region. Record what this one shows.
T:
{"hour": 4, "minute": 40}
